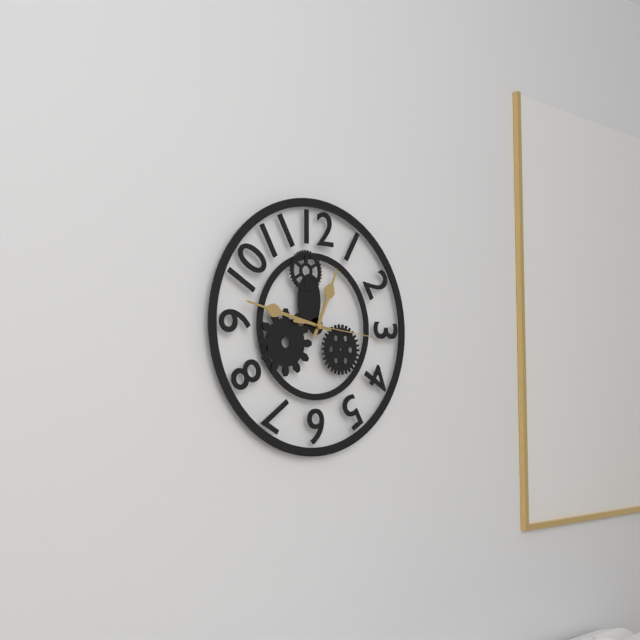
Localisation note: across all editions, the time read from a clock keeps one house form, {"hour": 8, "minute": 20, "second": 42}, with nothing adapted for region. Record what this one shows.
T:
{"hour": 12, "minute": 47, "second": 16}
